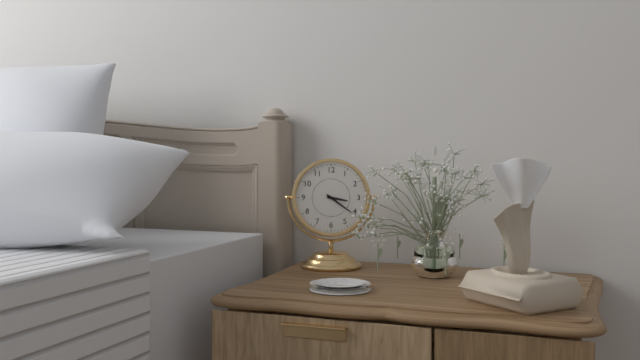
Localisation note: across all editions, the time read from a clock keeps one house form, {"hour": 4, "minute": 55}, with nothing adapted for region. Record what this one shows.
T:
{"hour": 3, "minute": 21}
